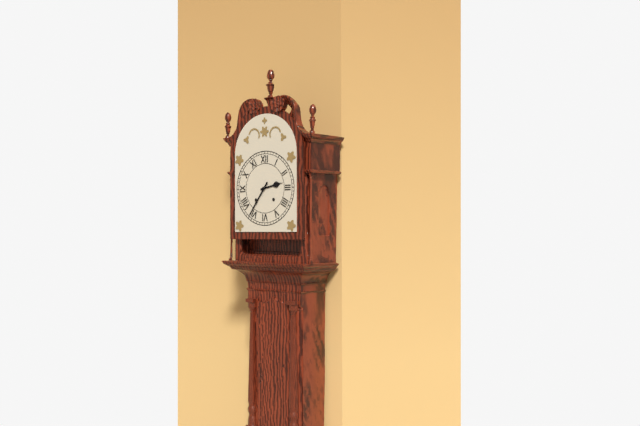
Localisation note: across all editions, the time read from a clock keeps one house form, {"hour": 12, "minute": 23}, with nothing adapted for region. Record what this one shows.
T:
{"hour": 2, "minute": 36}
